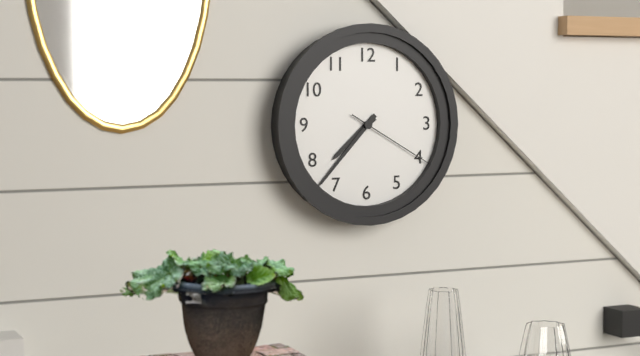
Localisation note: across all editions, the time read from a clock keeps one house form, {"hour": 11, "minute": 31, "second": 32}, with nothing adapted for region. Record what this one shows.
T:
{"hour": 7, "minute": 37, "second": 20}
